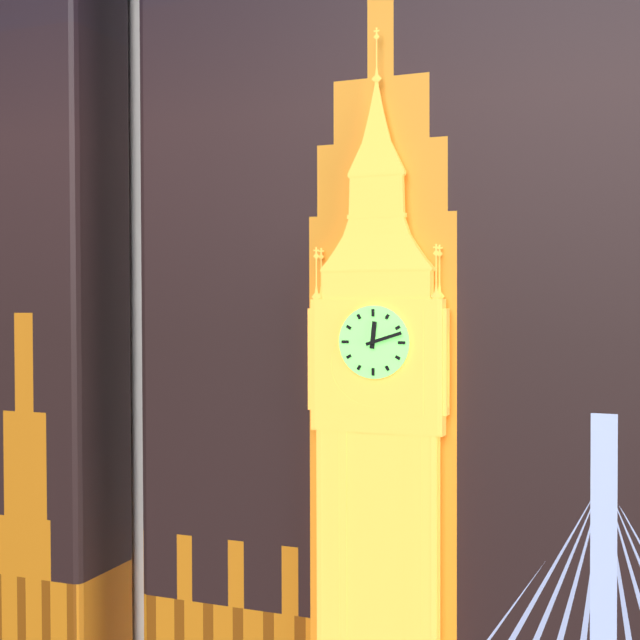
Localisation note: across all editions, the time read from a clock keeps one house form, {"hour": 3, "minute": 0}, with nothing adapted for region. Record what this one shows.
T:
{"hour": 12, "minute": 12}
